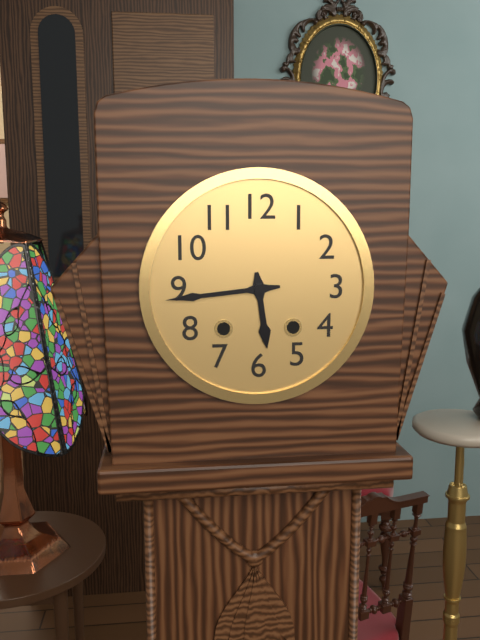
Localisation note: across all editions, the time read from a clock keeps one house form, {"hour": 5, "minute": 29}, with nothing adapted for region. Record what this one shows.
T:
{"hour": 5, "minute": 44}
